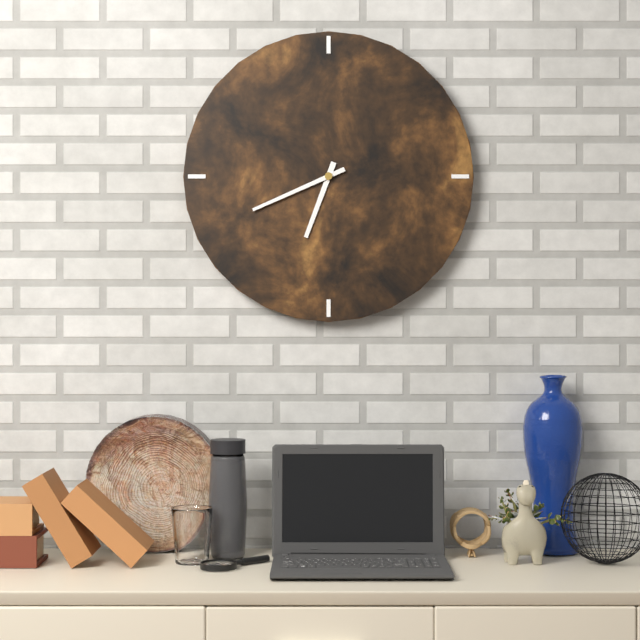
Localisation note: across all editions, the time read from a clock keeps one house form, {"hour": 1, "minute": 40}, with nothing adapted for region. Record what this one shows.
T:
{"hour": 6, "minute": 41}
